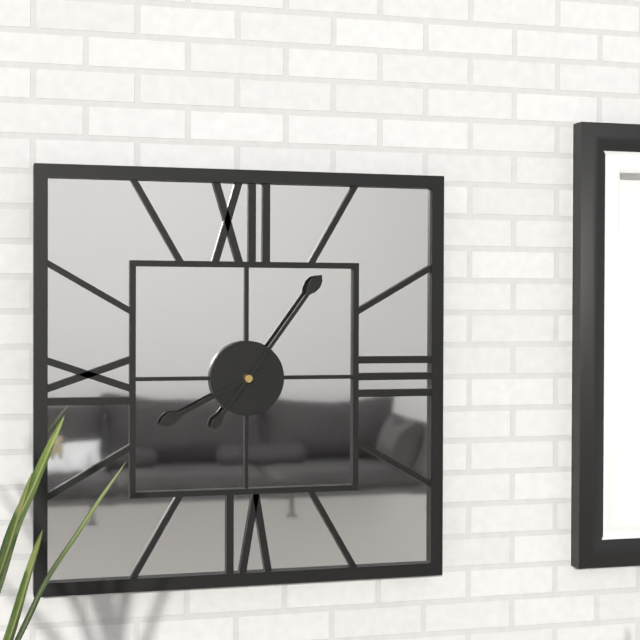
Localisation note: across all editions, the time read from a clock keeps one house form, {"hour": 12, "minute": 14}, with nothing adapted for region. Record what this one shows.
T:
{"hour": 8, "minute": 6}
